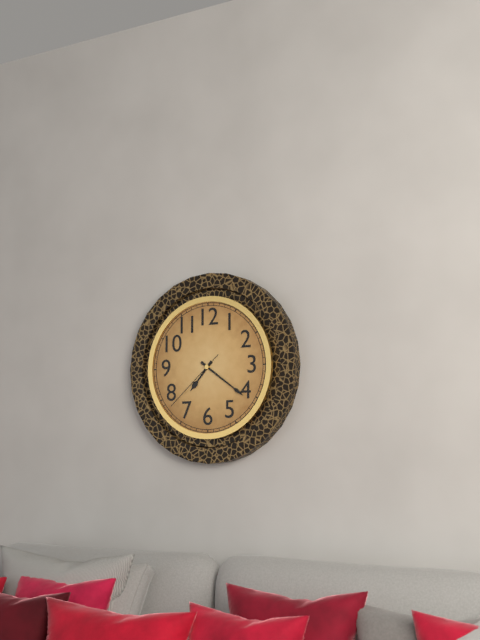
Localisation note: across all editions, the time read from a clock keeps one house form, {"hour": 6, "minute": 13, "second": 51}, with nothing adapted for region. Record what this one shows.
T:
{"hour": 7, "minute": 21, "second": 38}
